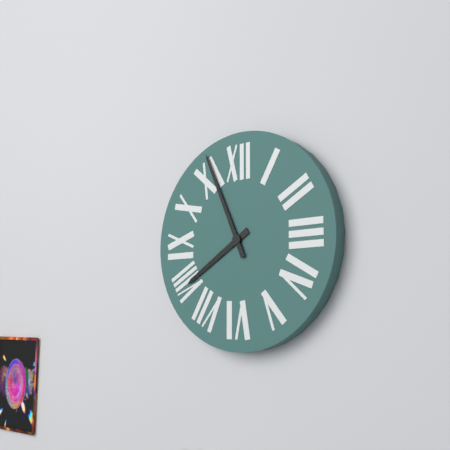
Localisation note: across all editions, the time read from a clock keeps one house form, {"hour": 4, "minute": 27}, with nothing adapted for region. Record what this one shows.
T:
{"hour": 7, "minute": 56}
